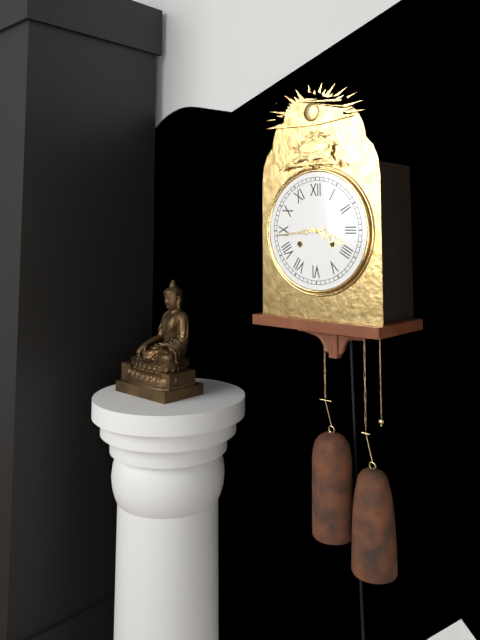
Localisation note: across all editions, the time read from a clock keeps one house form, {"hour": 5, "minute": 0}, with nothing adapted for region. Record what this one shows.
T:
{"hour": 3, "minute": 44}
